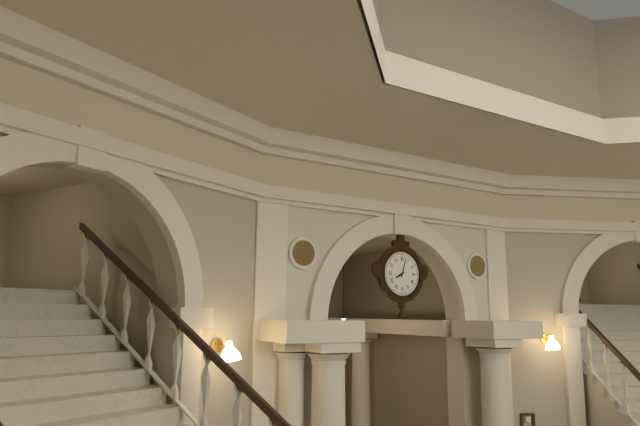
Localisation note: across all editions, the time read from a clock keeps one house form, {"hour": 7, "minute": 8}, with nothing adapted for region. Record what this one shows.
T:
{"hour": 8, "minute": 3}
